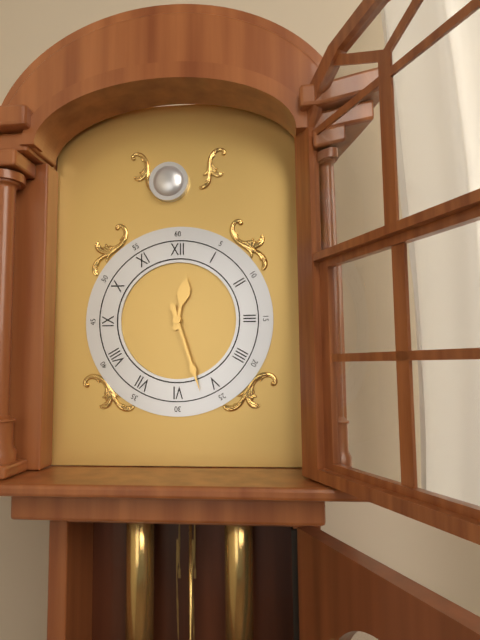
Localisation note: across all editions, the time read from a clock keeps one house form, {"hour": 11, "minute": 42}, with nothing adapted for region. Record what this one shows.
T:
{"hour": 12, "minute": 27}
